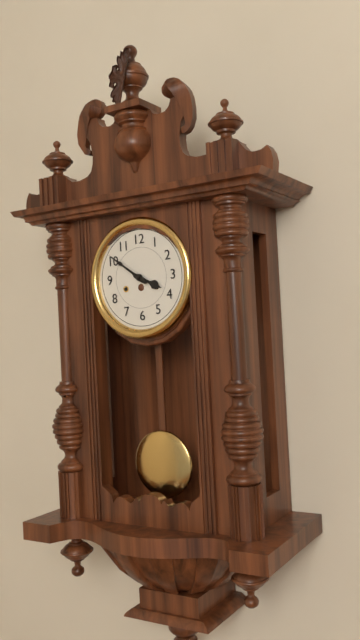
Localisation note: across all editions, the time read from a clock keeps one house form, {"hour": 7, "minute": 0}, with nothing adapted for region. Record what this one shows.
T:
{"hour": 3, "minute": 51}
